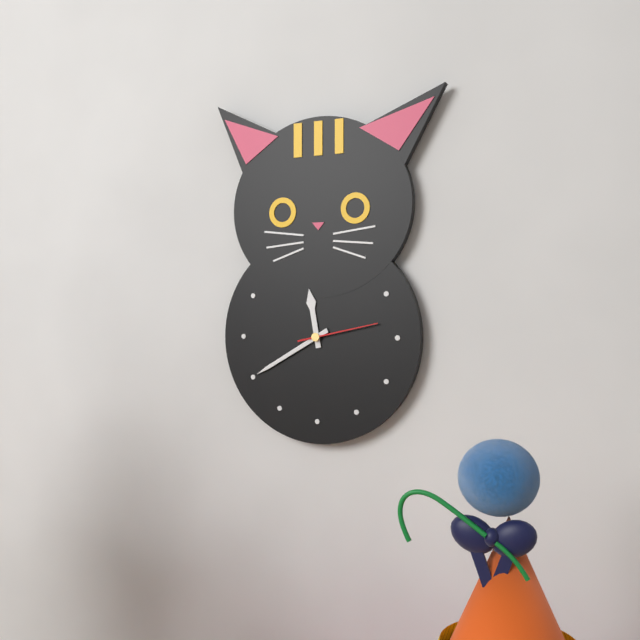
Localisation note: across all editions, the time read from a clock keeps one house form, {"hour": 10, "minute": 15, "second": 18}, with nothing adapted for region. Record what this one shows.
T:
{"hour": 11, "minute": 40, "second": 13}
